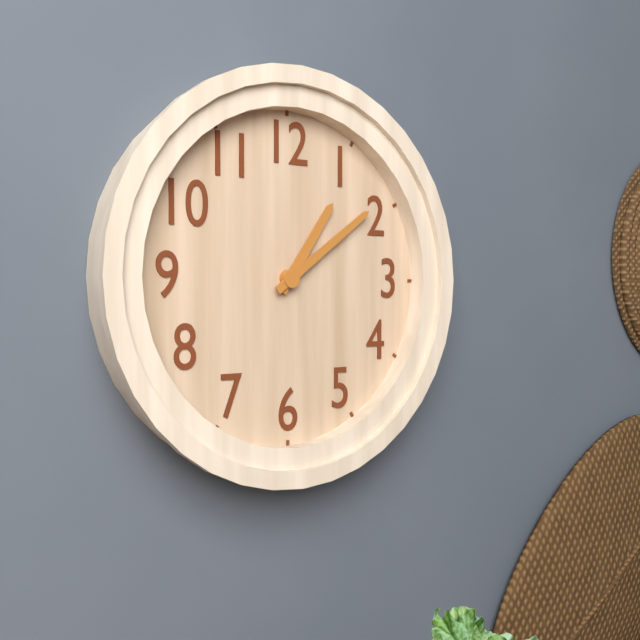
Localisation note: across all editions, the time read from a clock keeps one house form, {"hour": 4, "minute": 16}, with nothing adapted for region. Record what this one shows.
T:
{"hour": 1, "minute": 9}
